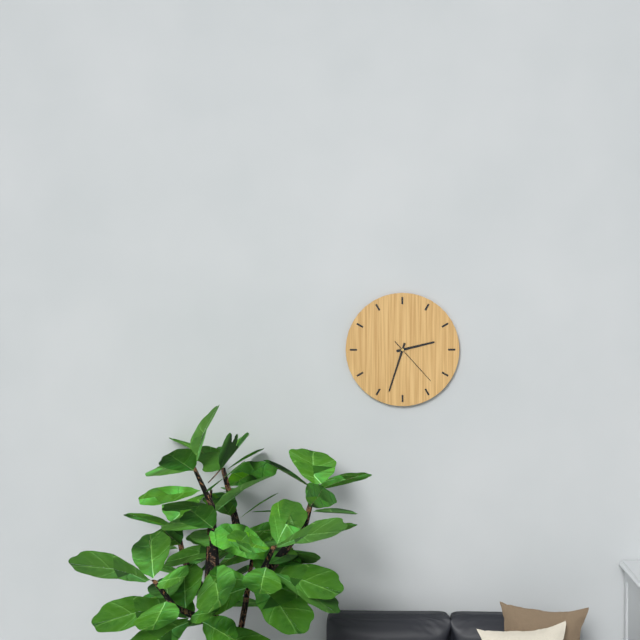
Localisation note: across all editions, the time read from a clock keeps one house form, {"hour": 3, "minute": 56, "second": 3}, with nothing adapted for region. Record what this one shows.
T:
{"hour": 2, "minute": 33, "second": 23}
